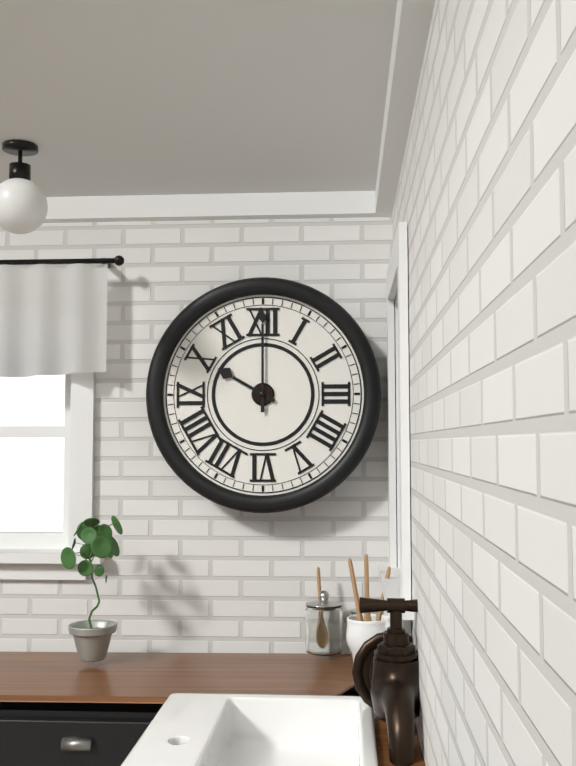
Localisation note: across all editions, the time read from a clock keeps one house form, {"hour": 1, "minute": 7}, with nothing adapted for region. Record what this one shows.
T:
{"hour": 10, "minute": 0}
